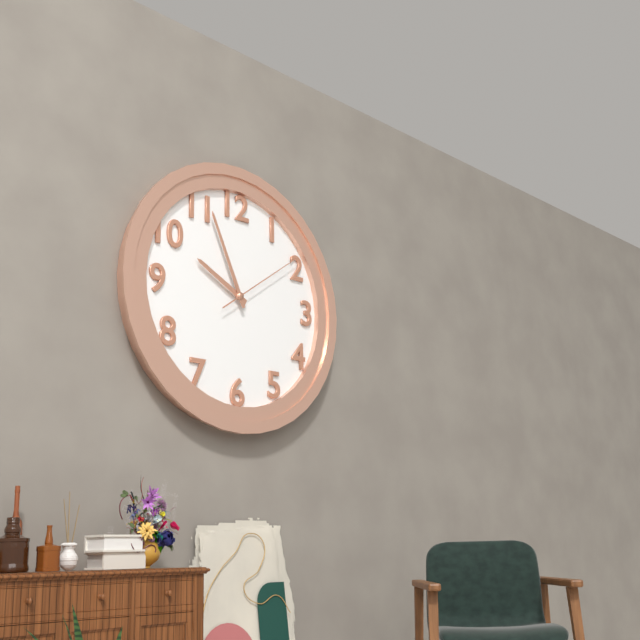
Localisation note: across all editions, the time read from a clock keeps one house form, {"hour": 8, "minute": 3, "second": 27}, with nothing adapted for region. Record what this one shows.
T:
{"hour": 9, "minute": 56, "second": 9}
